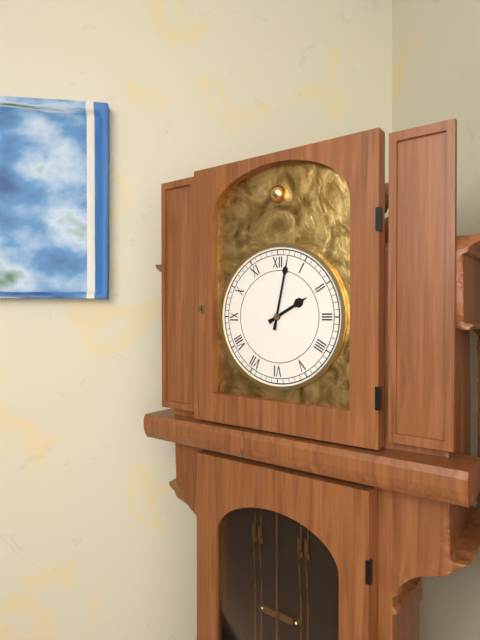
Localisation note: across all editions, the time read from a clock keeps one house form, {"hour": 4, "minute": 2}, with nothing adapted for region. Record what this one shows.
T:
{"hour": 2, "minute": 2}
